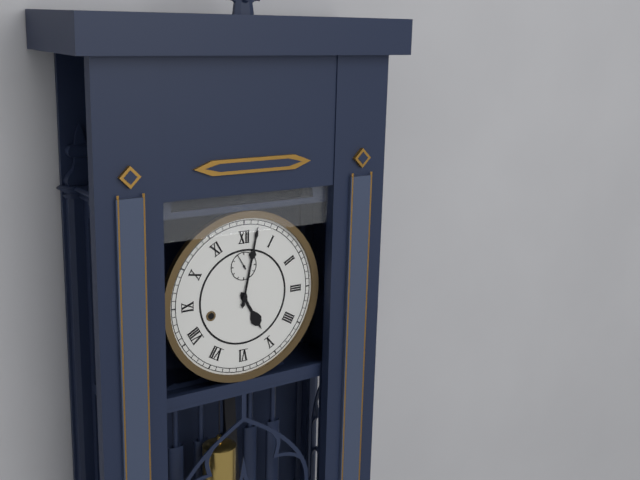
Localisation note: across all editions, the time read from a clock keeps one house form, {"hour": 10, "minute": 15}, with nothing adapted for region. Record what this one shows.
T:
{"hour": 5, "minute": 2}
